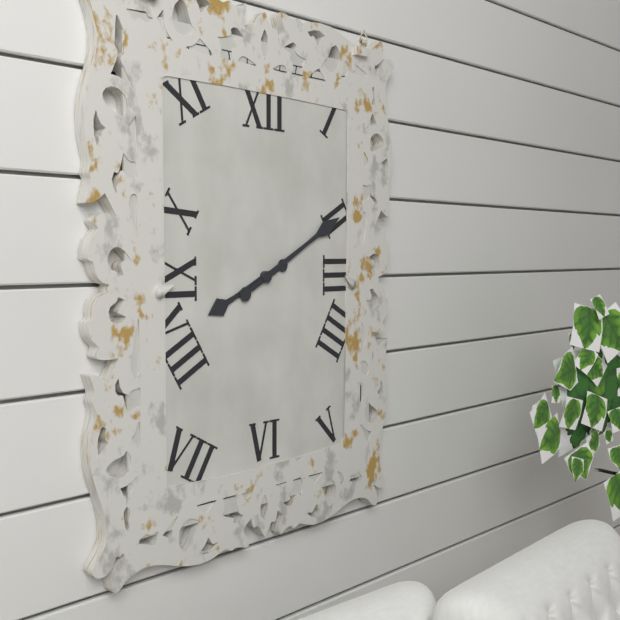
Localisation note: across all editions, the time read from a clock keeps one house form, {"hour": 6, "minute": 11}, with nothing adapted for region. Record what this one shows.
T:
{"hour": 8, "minute": 10}
